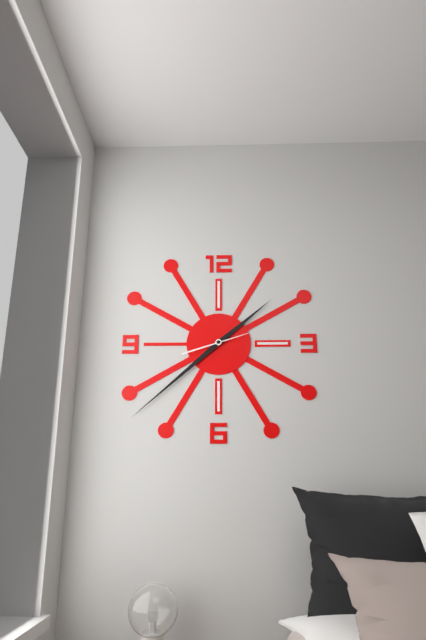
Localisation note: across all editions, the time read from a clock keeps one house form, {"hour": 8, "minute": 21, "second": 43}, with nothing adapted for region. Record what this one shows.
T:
{"hour": 1, "minute": 38, "second": 12}
